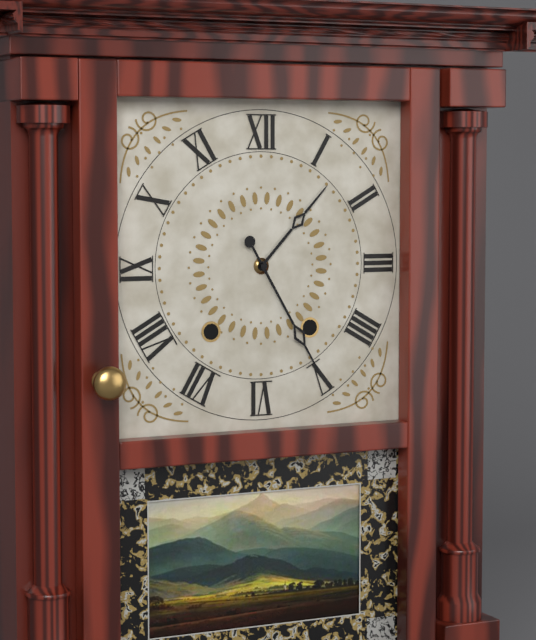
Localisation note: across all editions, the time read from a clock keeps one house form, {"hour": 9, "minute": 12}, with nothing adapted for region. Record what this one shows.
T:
{"hour": 1, "minute": 25}
